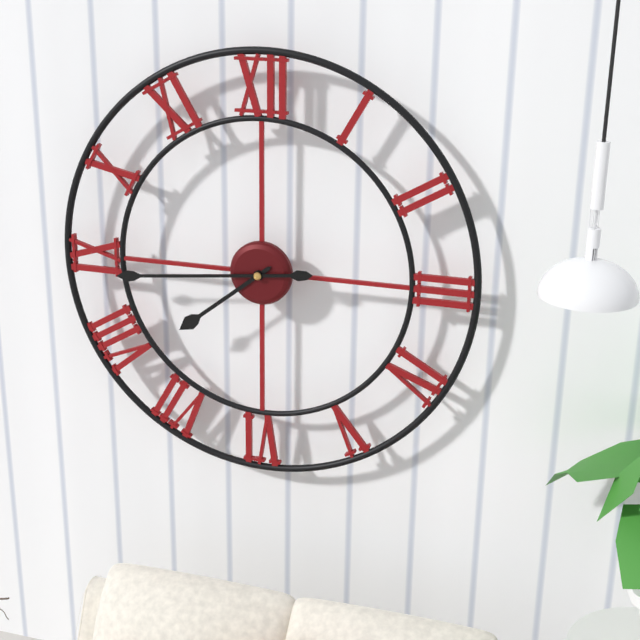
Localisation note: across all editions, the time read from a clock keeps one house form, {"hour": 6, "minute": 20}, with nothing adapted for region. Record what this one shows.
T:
{"hour": 7, "minute": 44}
